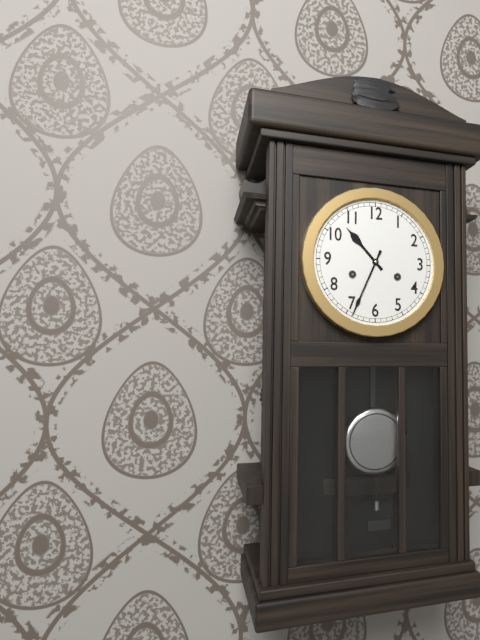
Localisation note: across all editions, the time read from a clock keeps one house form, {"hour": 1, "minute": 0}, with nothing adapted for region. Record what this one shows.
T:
{"hour": 10, "minute": 34}
